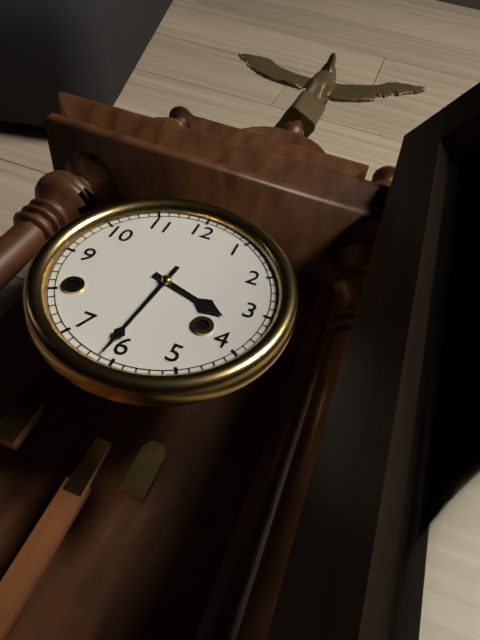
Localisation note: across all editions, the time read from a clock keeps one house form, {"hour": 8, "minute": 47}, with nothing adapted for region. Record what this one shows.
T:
{"hour": 3, "minute": 31}
